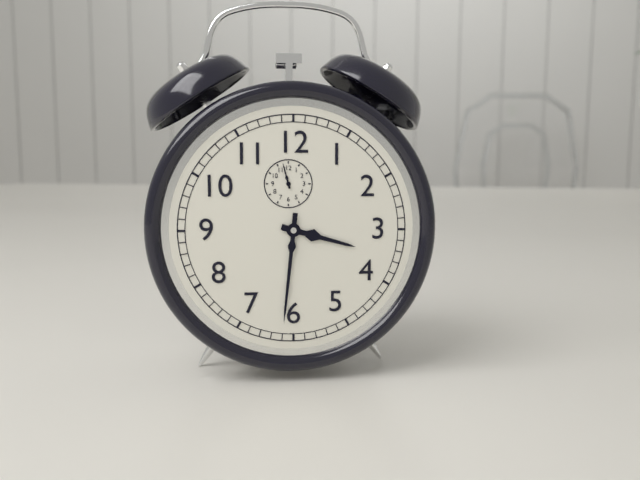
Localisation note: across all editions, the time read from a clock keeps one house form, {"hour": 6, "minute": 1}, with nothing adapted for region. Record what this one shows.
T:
{"hour": 3, "minute": 31}
